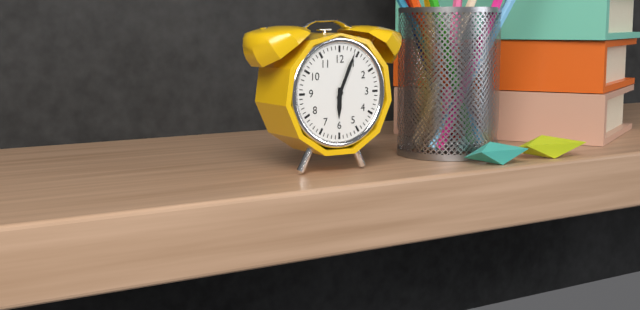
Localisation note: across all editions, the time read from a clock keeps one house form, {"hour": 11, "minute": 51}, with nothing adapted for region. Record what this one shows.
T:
{"hour": 6, "minute": 4}
